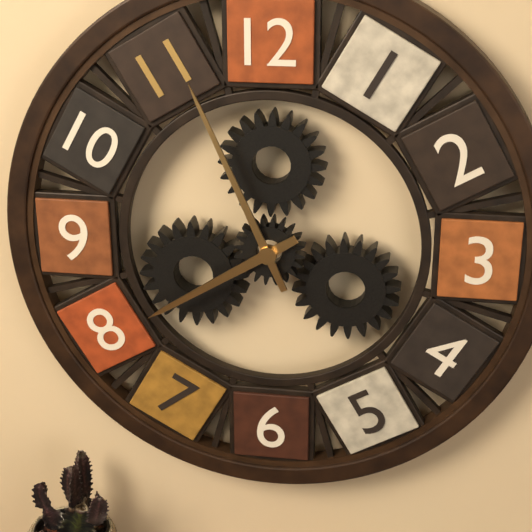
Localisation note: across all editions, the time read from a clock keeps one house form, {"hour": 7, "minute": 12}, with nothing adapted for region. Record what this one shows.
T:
{"hour": 7, "minute": 56}
